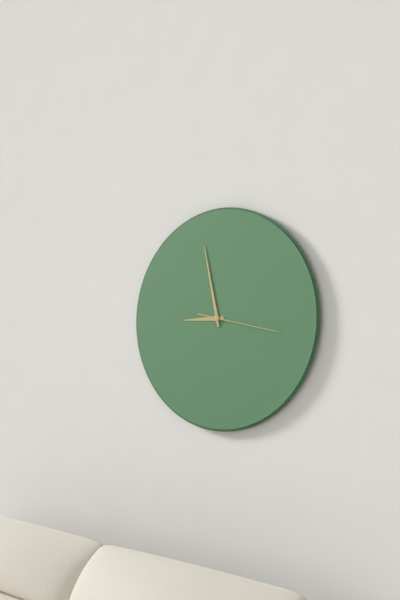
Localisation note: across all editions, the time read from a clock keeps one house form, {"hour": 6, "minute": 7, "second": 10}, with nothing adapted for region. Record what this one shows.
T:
{"hour": 8, "minute": 58, "second": 17}
